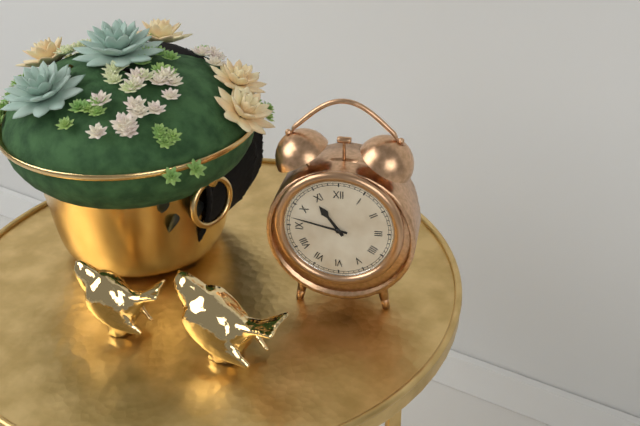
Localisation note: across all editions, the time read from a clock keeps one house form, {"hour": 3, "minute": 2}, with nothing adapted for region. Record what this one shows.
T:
{"hour": 10, "minute": 47}
